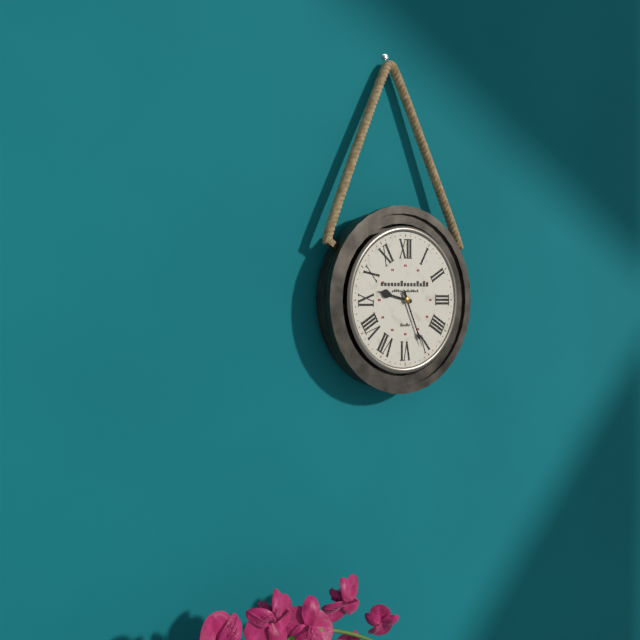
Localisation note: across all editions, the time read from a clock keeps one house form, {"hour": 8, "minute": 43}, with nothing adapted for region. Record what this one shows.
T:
{"hour": 9, "minute": 26}
